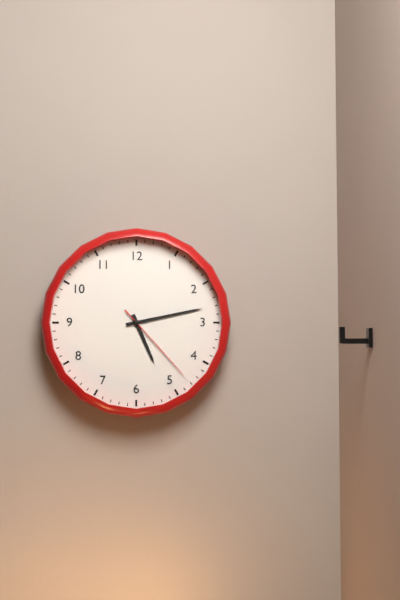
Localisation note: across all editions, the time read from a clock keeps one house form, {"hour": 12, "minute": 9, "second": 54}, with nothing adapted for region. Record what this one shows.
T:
{"hour": 5, "minute": 13, "second": 23}
